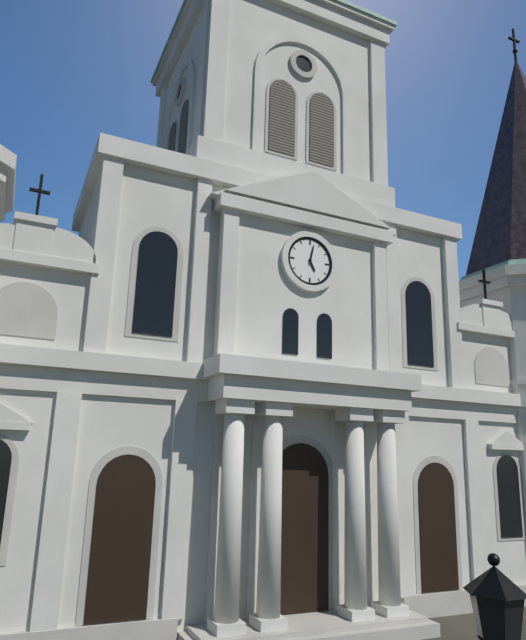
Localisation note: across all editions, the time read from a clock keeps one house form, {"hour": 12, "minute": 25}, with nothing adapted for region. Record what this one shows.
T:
{"hour": 5, "minute": 2}
